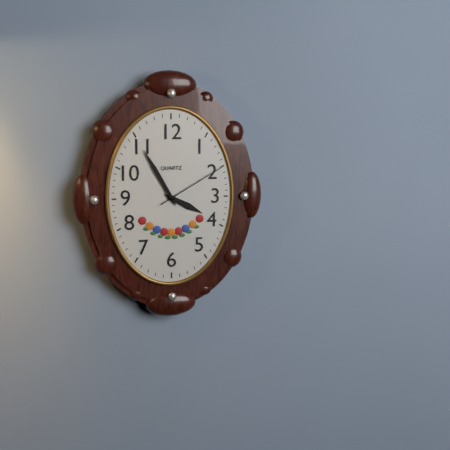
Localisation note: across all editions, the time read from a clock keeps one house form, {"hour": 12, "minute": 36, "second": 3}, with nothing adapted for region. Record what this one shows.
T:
{"hour": 3, "minute": 55, "second": 10}
